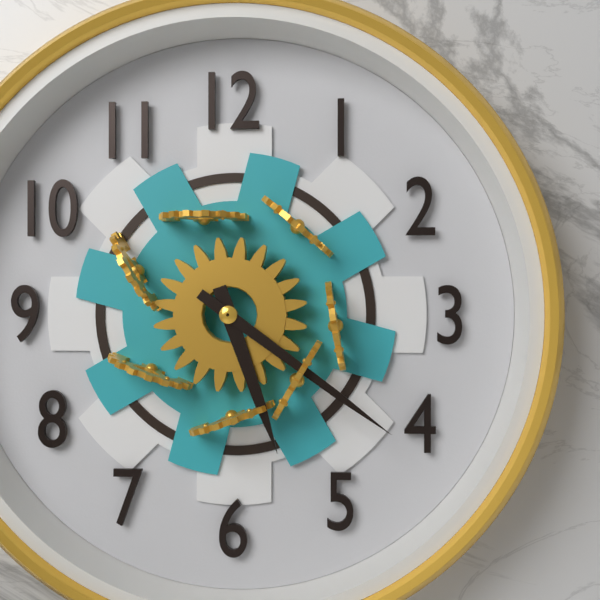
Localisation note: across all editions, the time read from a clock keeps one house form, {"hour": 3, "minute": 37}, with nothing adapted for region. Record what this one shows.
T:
{"hour": 5, "minute": 21}
